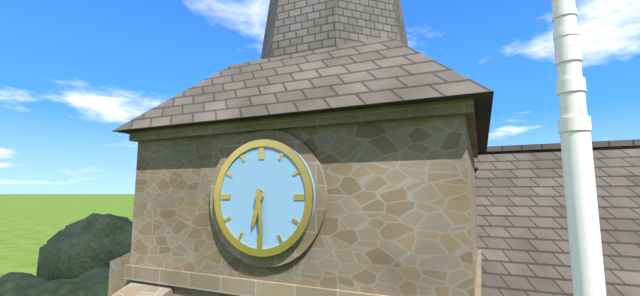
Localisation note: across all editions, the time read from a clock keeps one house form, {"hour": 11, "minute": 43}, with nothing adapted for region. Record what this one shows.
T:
{"hour": 6, "minute": 29}
